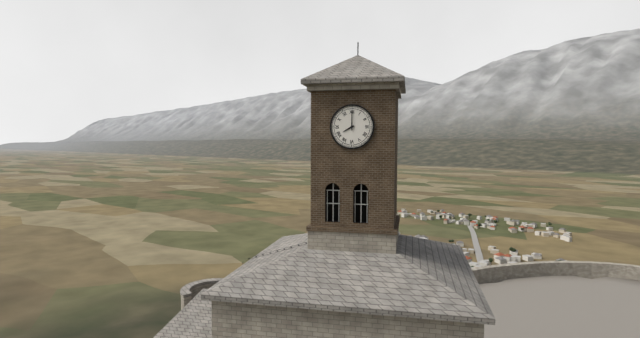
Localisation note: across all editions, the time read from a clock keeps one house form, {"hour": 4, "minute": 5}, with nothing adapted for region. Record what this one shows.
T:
{"hour": 8, "minute": 0}
